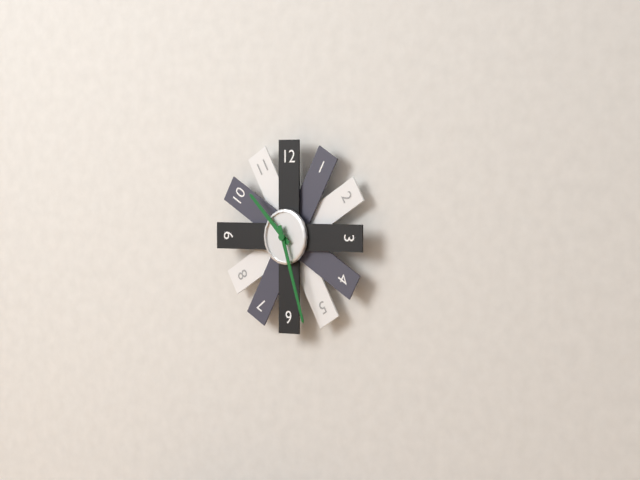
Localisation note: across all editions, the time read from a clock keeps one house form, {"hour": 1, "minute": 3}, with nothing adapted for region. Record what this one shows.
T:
{"hour": 10, "minute": 27}
